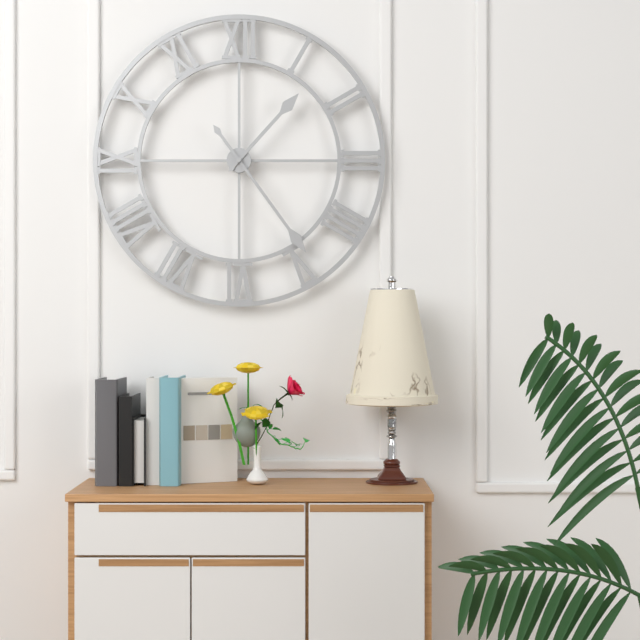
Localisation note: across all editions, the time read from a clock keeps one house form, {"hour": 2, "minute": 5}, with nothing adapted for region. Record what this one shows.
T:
{"hour": 1, "minute": 24}
